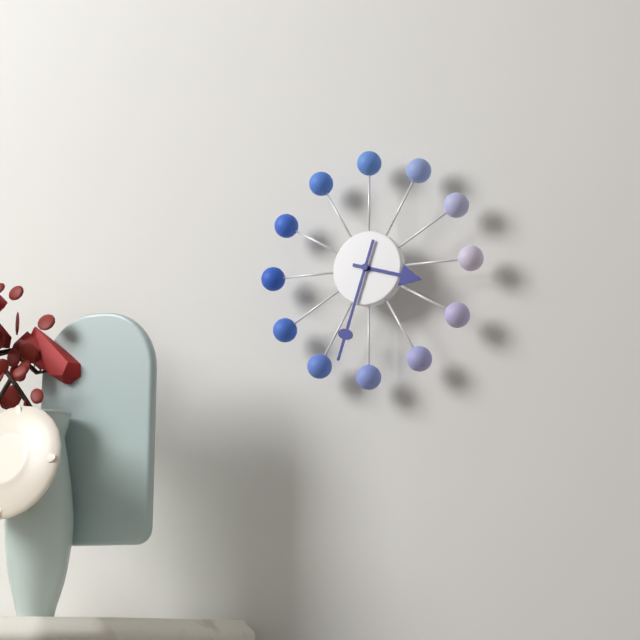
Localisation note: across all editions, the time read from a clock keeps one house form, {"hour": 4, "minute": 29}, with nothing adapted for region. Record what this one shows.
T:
{"hour": 3, "minute": 33}
